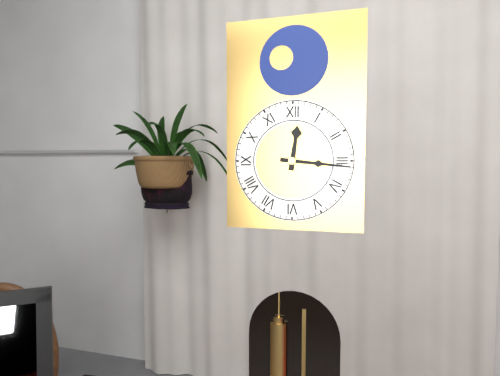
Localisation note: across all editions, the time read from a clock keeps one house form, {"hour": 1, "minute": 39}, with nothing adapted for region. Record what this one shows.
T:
{"hour": 12, "minute": 16}
